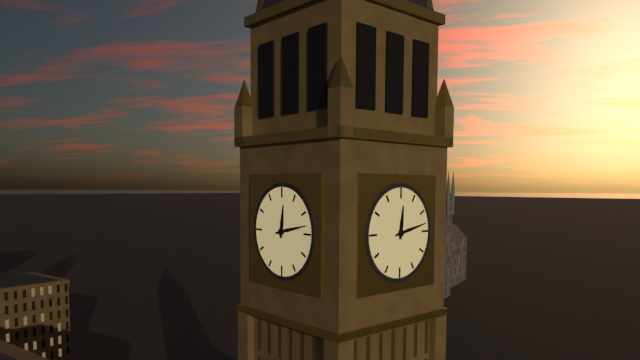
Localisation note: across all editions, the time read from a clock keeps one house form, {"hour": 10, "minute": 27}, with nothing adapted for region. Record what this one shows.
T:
{"hour": 12, "minute": 13}
